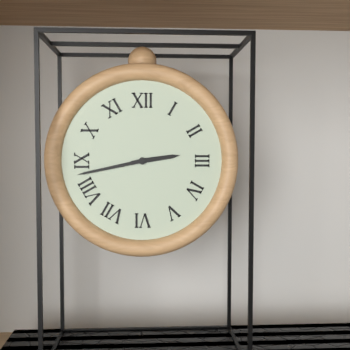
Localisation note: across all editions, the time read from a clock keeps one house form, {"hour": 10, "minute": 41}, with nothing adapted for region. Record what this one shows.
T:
{"hour": 2, "minute": 43}
